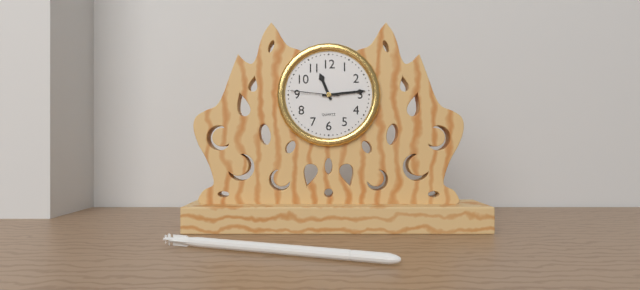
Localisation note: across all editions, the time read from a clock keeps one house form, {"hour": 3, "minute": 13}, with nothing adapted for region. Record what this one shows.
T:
{"hour": 11, "minute": 14}
